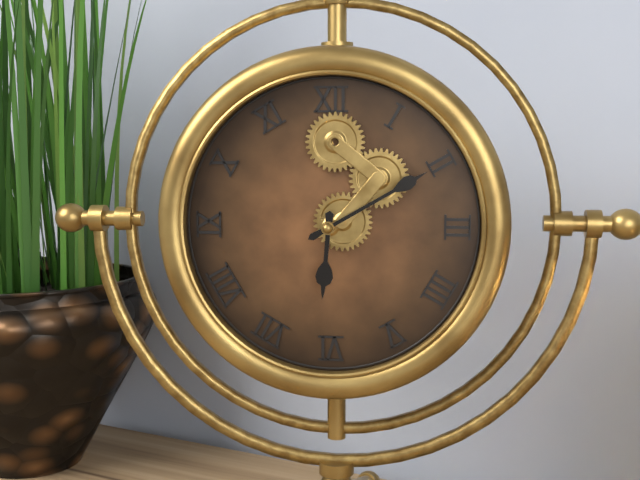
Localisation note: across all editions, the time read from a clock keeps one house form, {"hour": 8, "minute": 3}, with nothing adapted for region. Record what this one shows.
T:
{"hour": 6, "minute": 10}
